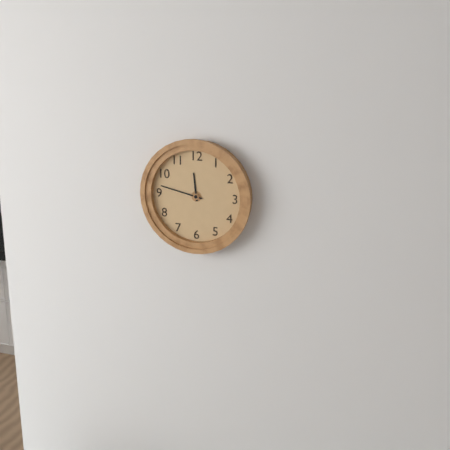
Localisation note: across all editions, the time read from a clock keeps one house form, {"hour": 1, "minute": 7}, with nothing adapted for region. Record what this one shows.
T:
{"hour": 11, "minute": 47}
